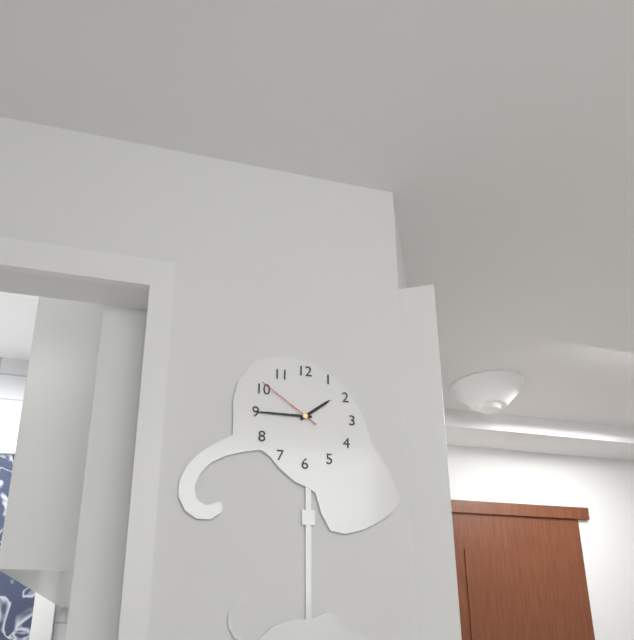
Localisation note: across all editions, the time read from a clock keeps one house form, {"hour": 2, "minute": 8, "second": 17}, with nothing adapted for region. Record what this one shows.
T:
{"hour": 1, "minute": 45, "second": 51}
